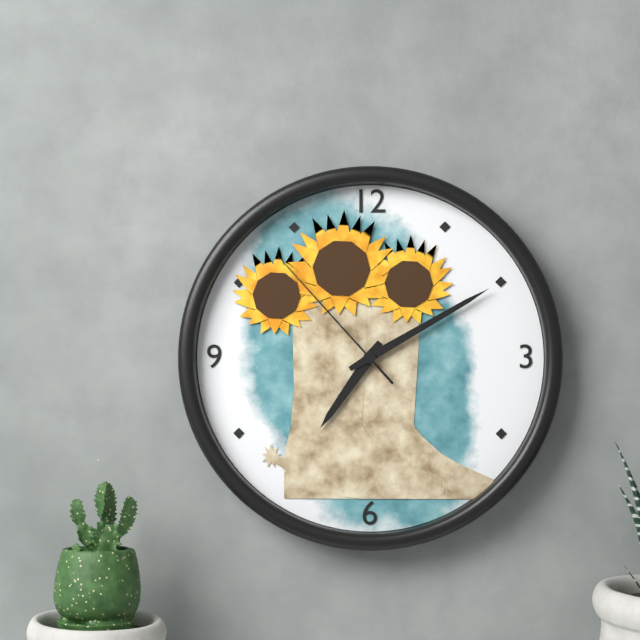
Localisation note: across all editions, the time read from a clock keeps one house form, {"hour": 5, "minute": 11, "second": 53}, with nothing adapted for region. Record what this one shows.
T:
{"hour": 7, "minute": 10, "second": 53}
